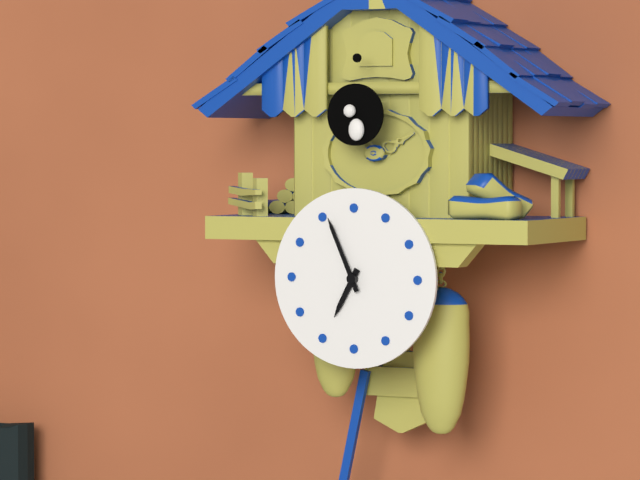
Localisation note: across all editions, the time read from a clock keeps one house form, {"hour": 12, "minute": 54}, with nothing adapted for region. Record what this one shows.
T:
{"hour": 6, "minute": 56}
